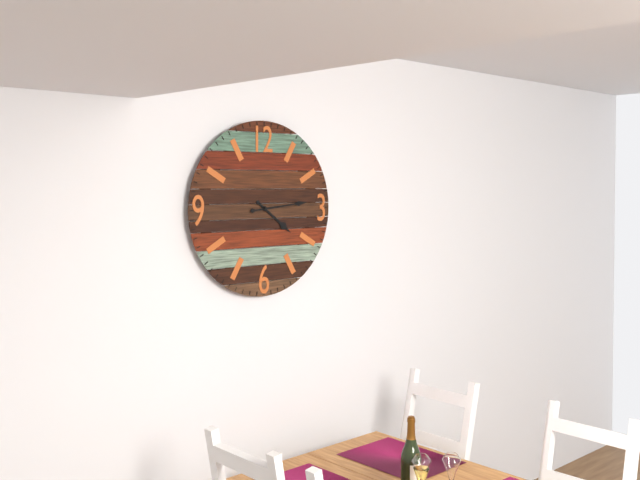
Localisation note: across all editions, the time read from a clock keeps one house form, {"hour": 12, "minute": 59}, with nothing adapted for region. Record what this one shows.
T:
{"hour": 4, "minute": 14}
